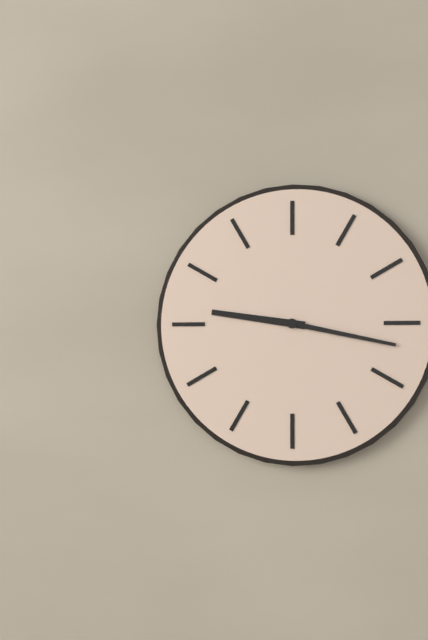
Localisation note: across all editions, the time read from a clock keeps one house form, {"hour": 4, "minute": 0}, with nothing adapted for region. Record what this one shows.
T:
{"hour": 9, "minute": 17}
